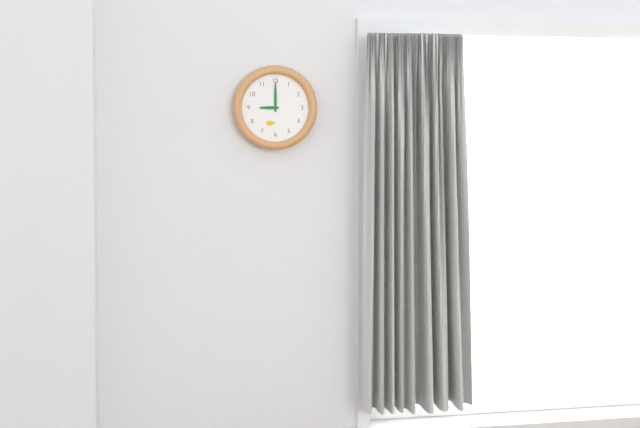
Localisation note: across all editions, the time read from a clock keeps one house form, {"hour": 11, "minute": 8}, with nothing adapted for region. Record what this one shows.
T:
{"hour": 9, "minute": 0}
